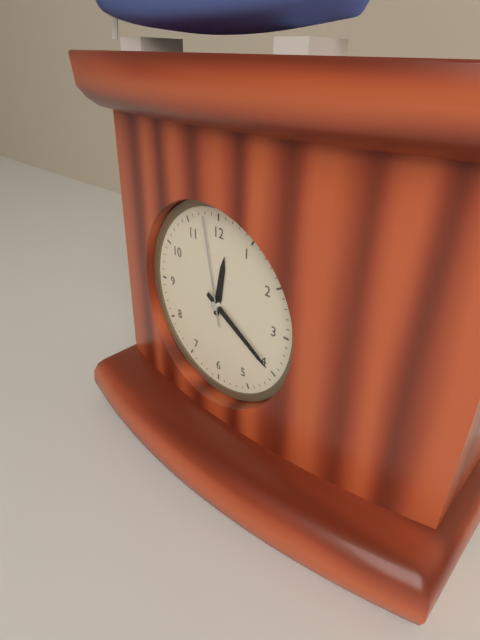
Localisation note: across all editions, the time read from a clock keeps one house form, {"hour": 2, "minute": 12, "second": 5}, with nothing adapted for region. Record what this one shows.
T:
{"hour": 12, "minute": 20, "second": 58}
